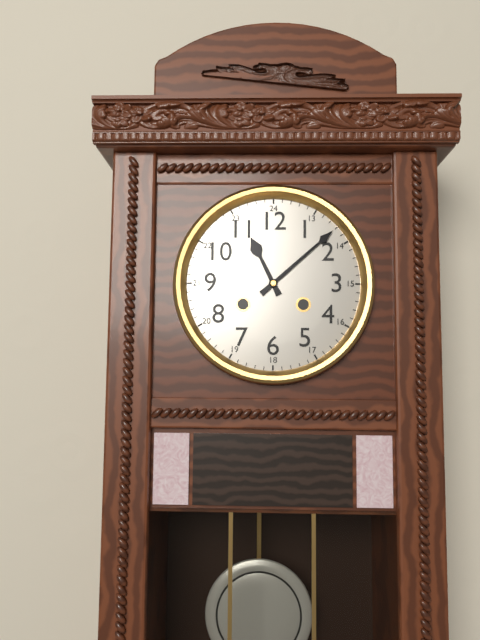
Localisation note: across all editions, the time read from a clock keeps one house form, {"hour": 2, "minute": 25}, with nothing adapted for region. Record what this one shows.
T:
{"hour": 11, "minute": 8}
